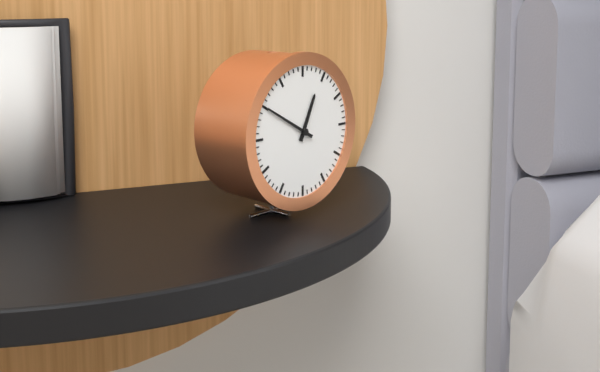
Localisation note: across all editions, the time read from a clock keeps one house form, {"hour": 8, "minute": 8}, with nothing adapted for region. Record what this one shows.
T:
{"hour": 12, "minute": 50}
